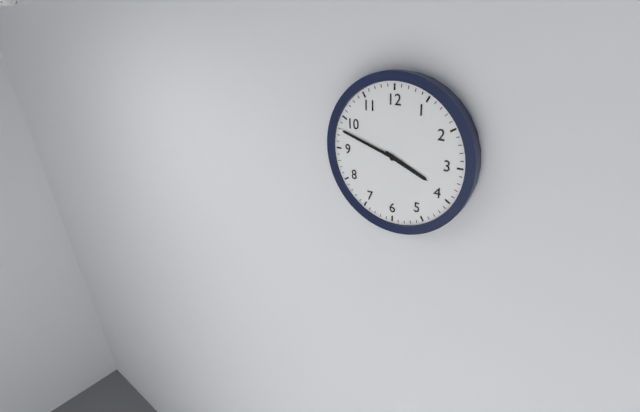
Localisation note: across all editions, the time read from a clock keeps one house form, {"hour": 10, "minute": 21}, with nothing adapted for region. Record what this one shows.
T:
{"hour": 3, "minute": 48}
